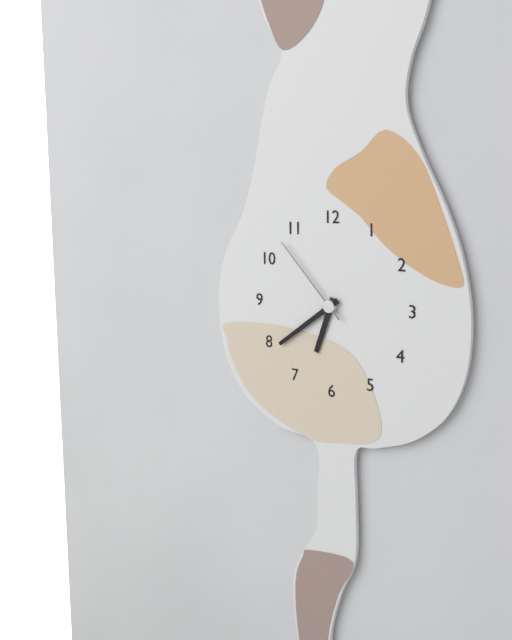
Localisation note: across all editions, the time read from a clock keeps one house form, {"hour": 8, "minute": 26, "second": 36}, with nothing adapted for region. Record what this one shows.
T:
{"hour": 6, "minute": 39, "second": 53}
